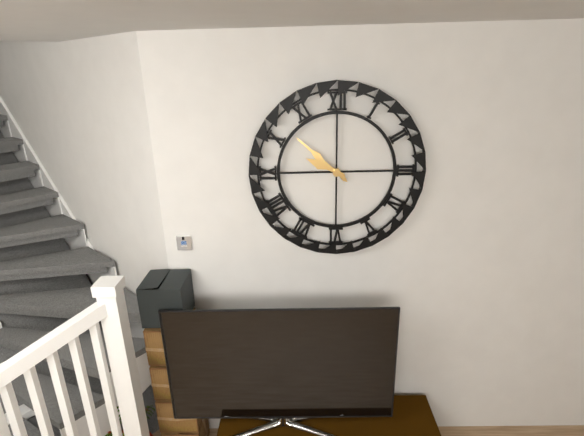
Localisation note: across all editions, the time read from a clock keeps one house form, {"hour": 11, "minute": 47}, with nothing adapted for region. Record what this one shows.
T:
{"hour": 9, "minute": 52}
